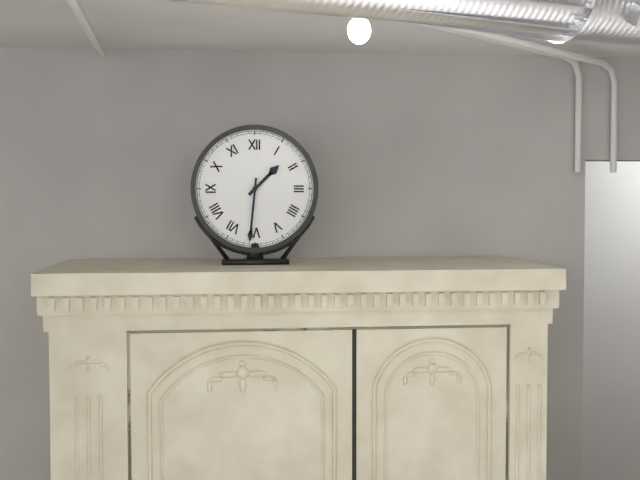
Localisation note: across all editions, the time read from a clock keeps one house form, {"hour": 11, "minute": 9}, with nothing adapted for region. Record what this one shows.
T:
{"hour": 1, "minute": 31}
